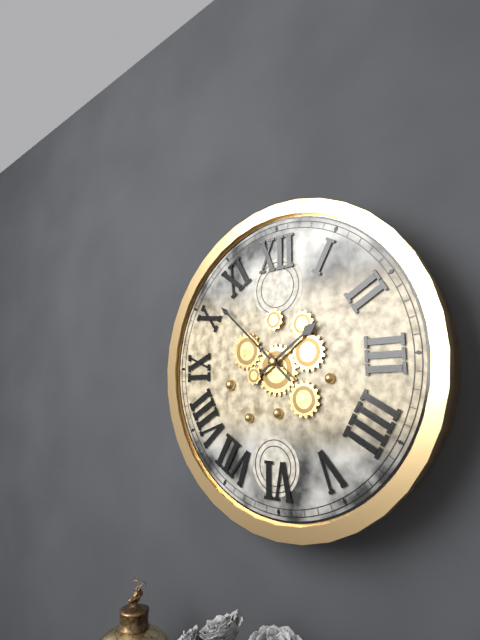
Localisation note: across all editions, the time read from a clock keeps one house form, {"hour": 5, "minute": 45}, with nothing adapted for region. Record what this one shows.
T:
{"hour": 1, "minute": 52}
